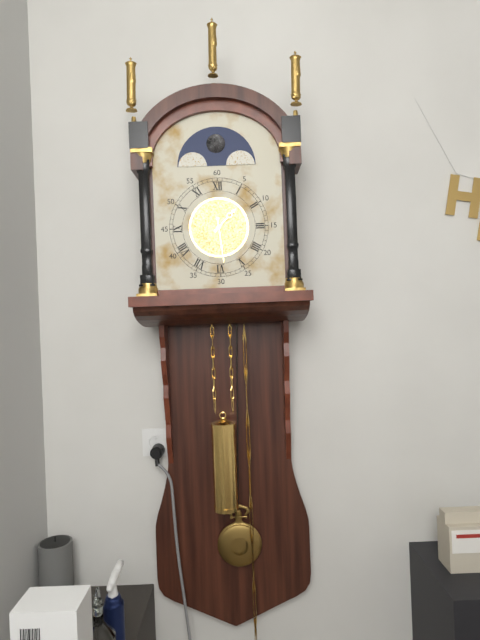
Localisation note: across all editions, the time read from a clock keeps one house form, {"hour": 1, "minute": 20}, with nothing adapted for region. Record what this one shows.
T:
{"hour": 1, "minute": 29}
